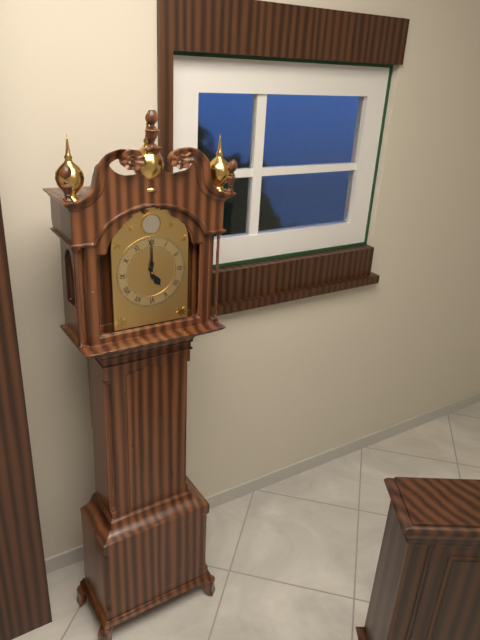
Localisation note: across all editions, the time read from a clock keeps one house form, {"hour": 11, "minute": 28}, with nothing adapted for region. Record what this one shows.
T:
{"hour": 5, "minute": 0}
